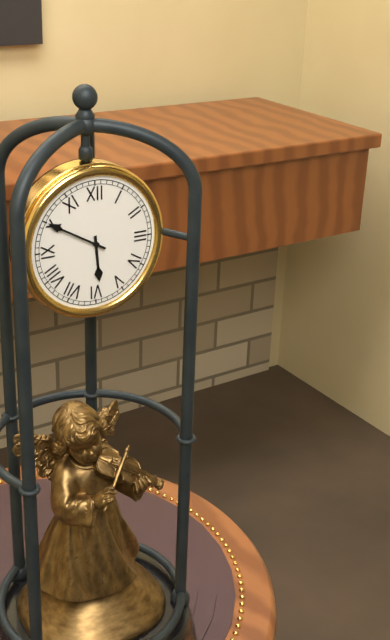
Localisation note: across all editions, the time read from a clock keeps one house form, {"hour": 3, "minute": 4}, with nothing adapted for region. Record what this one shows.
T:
{"hour": 5, "minute": 50}
